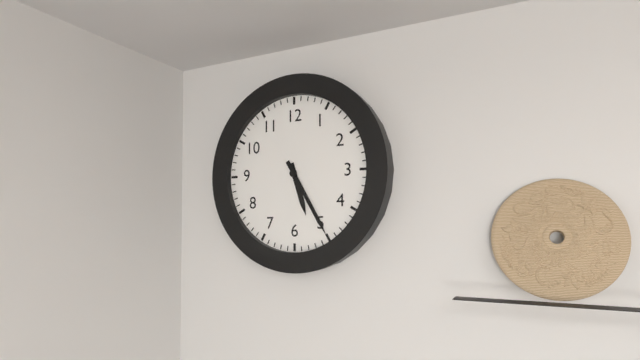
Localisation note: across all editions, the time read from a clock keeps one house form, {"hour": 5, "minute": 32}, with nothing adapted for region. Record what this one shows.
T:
{"hour": 5, "minute": 25}
